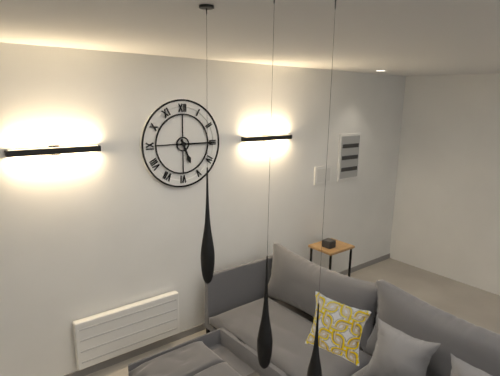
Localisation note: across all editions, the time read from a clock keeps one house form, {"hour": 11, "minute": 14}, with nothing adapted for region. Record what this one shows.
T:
{"hour": 5, "minute": 15}
